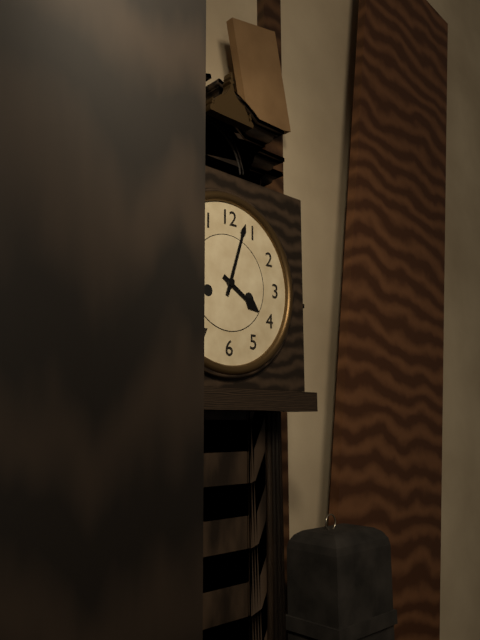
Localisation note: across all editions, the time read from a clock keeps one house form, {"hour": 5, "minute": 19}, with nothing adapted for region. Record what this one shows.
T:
{"hour": 4, "minute": 3}
